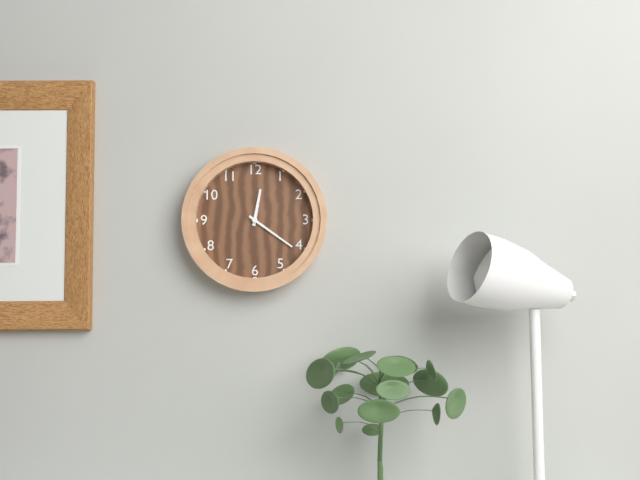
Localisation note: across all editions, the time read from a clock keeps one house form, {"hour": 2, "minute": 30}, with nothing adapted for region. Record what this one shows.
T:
{"hour": 12, "minute": 21}
